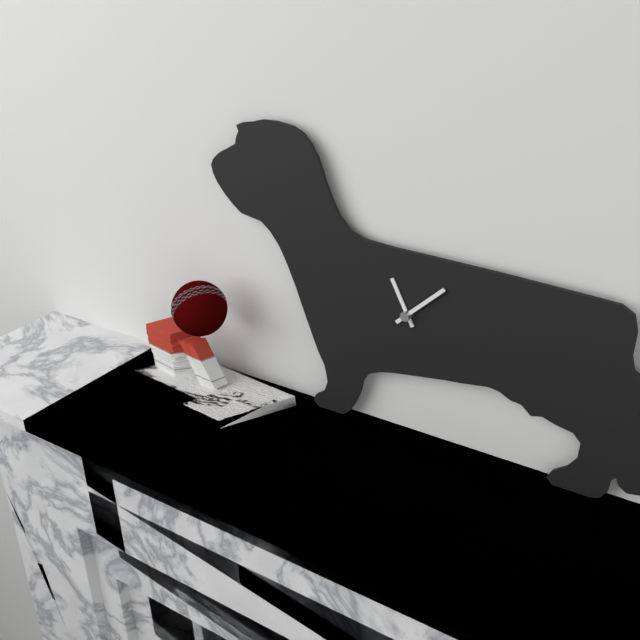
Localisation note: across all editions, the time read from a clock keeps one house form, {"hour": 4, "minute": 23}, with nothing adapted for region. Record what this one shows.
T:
{"hour": 11, "minute": 8}
